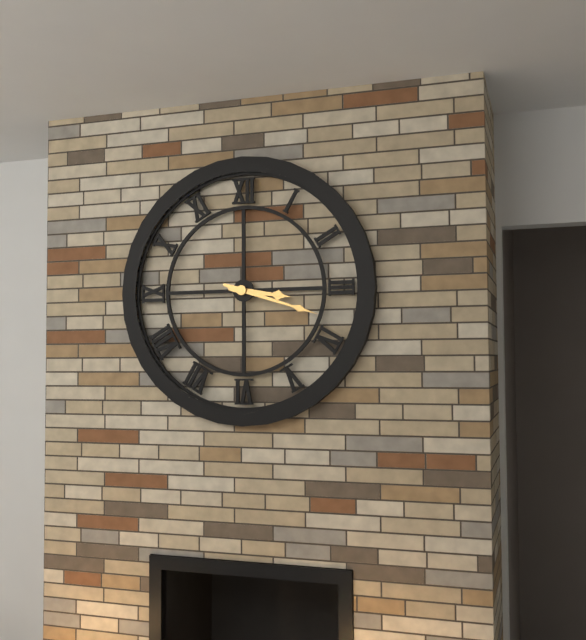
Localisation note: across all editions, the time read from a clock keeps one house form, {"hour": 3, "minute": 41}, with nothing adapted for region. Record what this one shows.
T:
{"hour": 3, "minute": 18}
